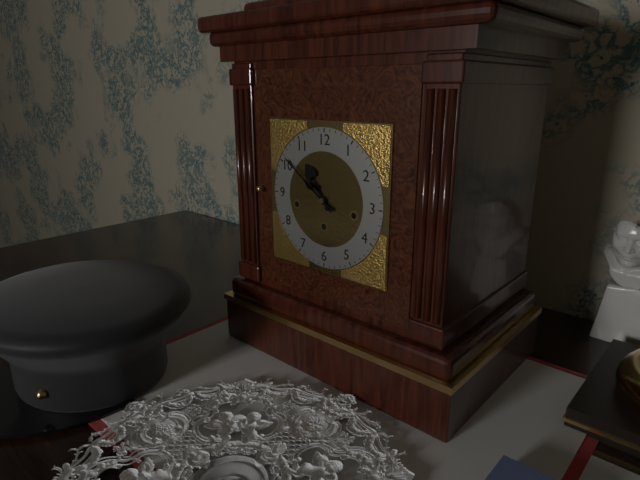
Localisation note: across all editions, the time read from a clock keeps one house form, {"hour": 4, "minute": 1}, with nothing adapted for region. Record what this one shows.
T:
{"hour": 10, "minute": 51}
